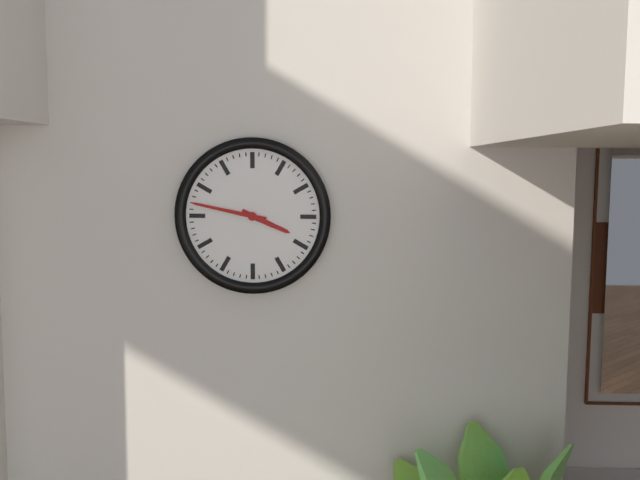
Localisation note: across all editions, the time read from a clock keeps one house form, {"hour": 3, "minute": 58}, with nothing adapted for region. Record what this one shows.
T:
{"hour": 3, "minute": 47}
